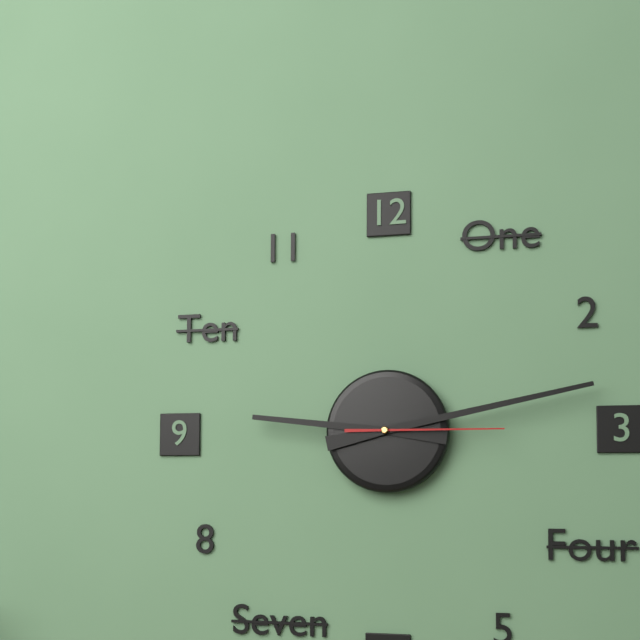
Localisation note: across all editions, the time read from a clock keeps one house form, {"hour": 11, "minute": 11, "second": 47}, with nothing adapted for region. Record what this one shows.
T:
{"hour": 9, "minute": 13, "second": 15}
